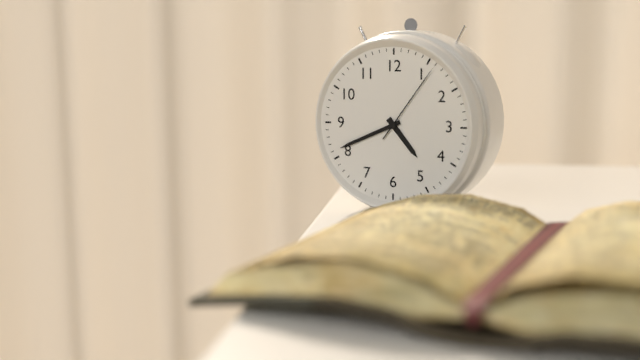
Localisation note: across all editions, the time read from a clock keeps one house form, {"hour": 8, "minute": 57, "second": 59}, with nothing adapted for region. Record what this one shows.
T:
{"hour": 4, "minute": 41, "second": 6}
